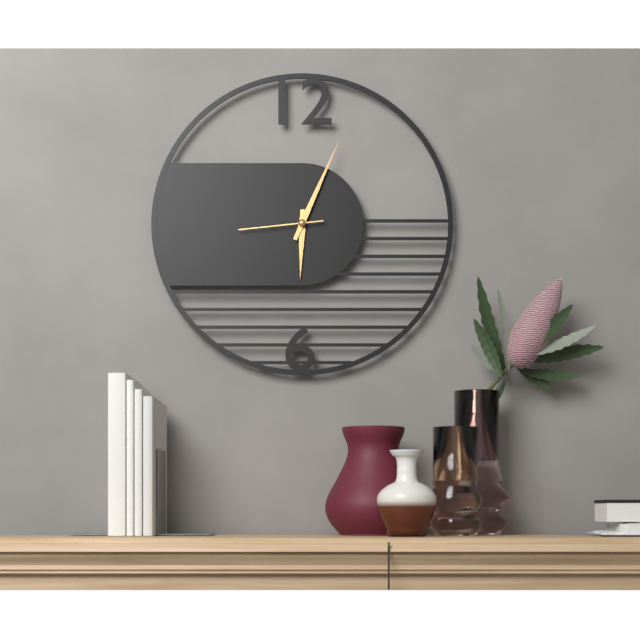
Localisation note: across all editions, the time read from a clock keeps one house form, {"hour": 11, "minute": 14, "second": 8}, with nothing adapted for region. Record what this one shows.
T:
{"hour": 6, "minute": 4, "second": 44}
